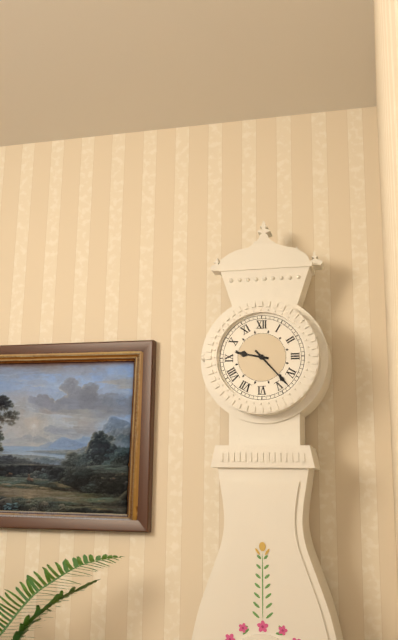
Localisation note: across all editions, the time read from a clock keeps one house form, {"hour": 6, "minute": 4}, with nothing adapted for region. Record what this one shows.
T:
{"hour": 9, "minute": 23}
